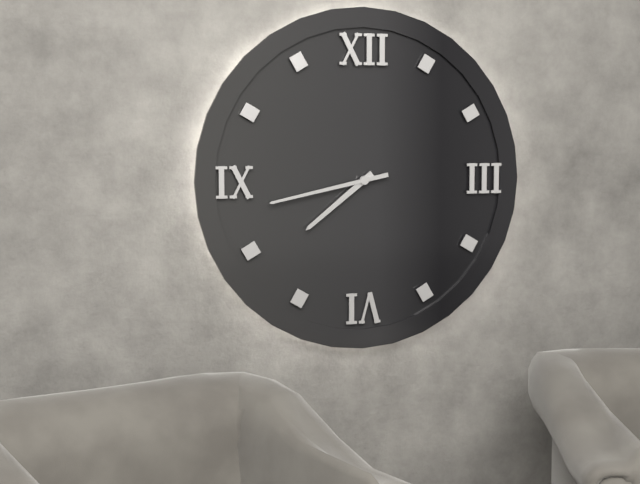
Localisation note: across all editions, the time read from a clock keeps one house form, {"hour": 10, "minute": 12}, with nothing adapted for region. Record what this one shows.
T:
{"hour": 7, "minute": 43}
